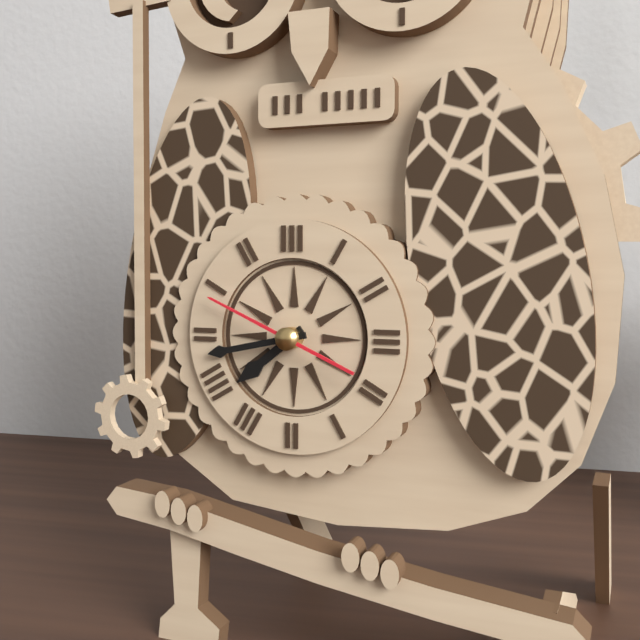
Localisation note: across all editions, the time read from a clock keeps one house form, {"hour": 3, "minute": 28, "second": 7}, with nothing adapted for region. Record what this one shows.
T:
{"hour": 7, "minute": 43, "second": 49}
